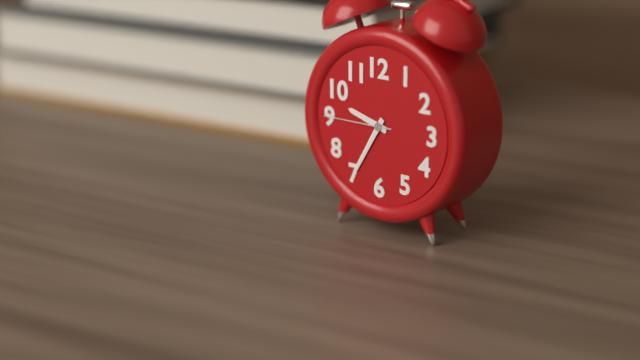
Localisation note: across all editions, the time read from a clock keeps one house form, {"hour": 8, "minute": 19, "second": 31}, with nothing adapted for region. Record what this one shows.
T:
{"hour": 9, "minute": 35, "second": 45}
